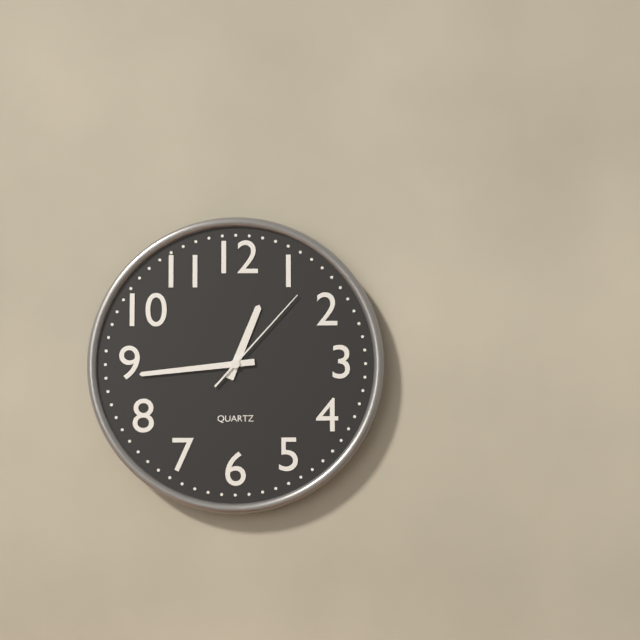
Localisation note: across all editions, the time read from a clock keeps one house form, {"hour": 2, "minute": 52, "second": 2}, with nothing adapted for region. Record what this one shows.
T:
{"hour": 12, "minute": 44, "second": 7}
